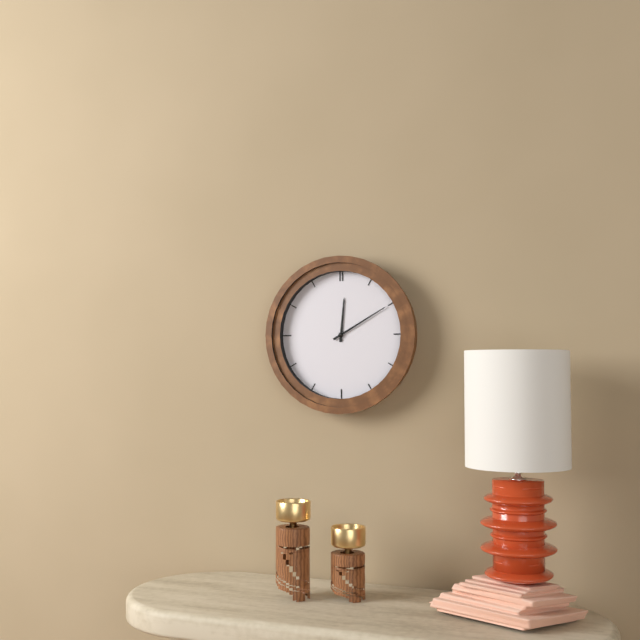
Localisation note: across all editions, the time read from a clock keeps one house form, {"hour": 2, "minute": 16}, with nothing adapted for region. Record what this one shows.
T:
{"hour": 12, "minute": 10}
